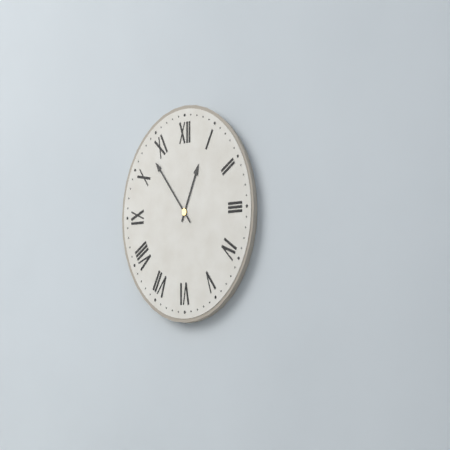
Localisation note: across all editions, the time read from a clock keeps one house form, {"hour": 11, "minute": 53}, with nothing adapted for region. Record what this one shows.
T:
{"hour": 12, "minute": 53}
